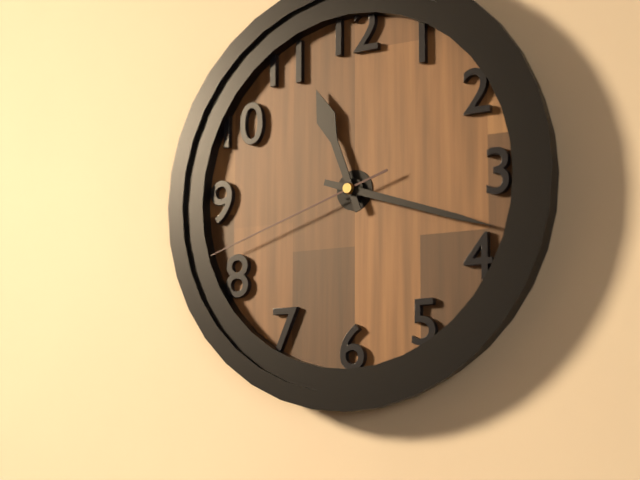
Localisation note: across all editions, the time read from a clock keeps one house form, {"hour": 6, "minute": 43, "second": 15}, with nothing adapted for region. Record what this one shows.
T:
{"hour": 11, "minute": 18, "second": 42}
